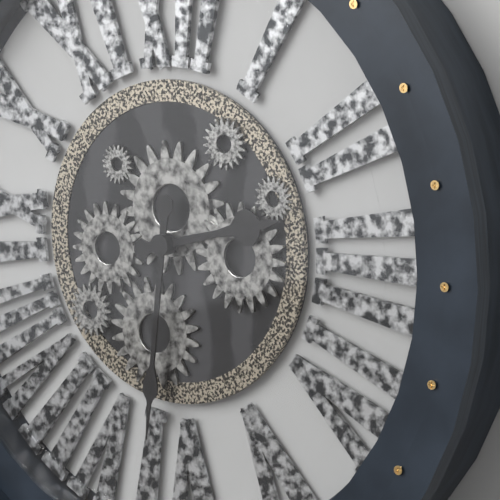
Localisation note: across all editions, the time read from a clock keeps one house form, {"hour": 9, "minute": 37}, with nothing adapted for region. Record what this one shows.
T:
{"hour": 2, "minute": 31}
